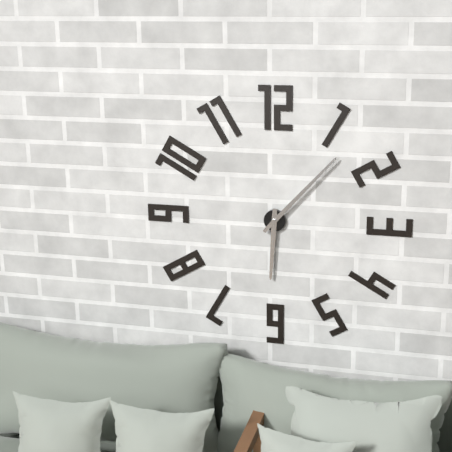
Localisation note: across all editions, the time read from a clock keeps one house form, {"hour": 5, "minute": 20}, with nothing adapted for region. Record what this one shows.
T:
{"hour": 6, "minute": 7}
